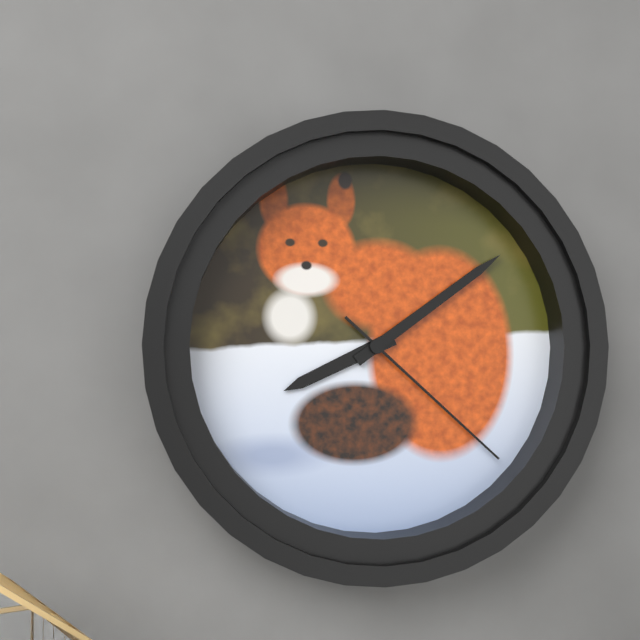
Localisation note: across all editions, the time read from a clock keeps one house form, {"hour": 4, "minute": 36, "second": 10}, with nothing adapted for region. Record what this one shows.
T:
{"hour": 8, "minute": 9, "second": 22}
